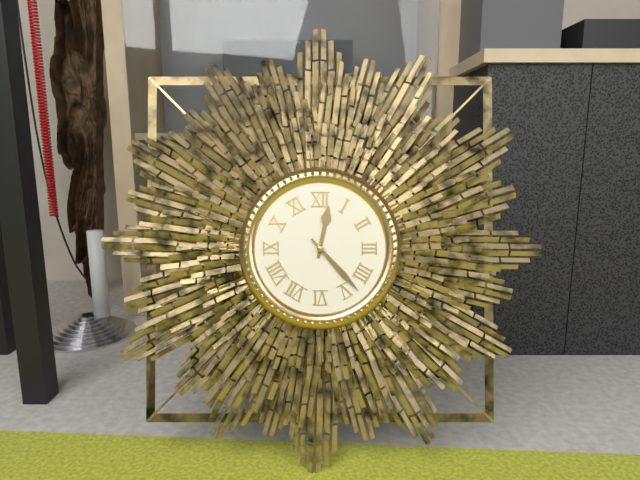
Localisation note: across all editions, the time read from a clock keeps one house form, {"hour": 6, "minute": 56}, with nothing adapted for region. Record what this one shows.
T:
{"hour": 12, "minute": 23}
